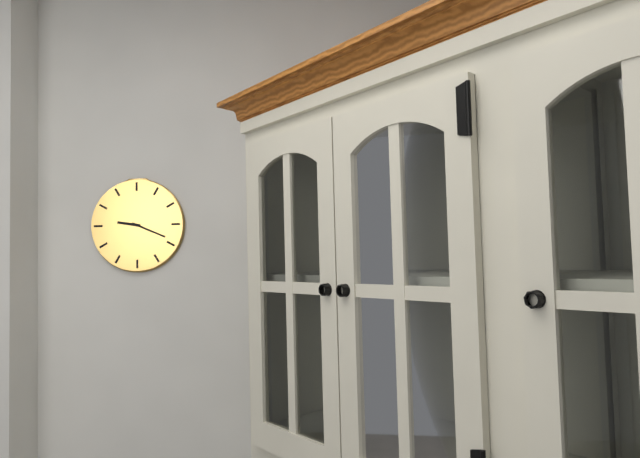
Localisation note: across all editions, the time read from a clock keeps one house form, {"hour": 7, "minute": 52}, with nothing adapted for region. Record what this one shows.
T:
{"hour": 9, "minute": 19}
